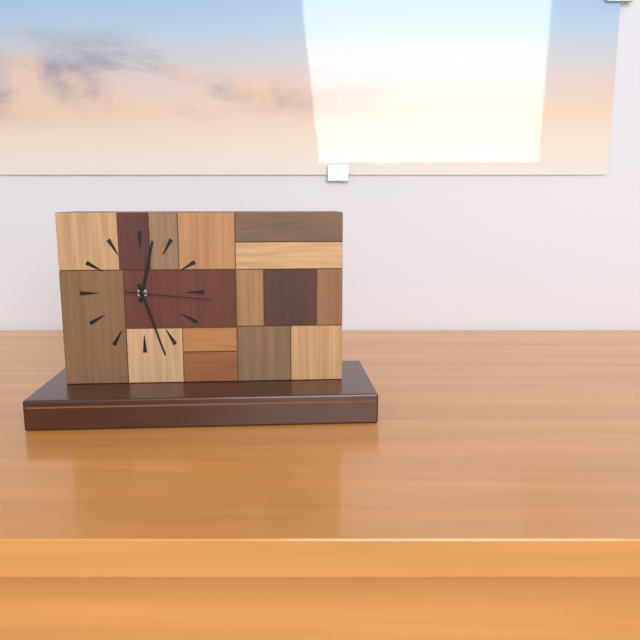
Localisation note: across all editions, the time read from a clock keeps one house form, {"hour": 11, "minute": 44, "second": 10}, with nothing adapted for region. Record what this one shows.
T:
{"hour": 12, "minute": 27, "second": 16}
